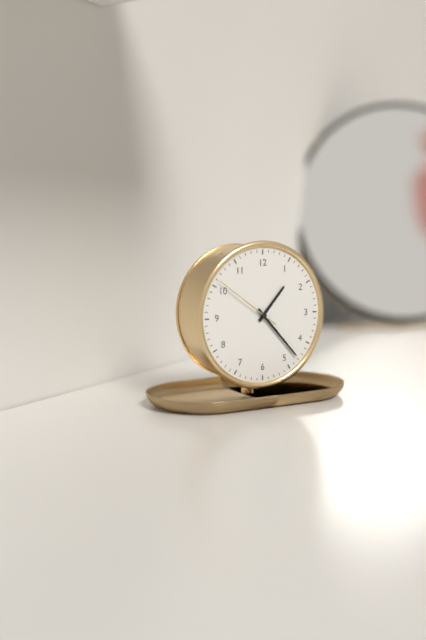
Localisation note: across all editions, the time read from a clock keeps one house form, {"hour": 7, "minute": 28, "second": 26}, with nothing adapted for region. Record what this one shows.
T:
{"hour": 1, "minute": 23, "second": 51}
